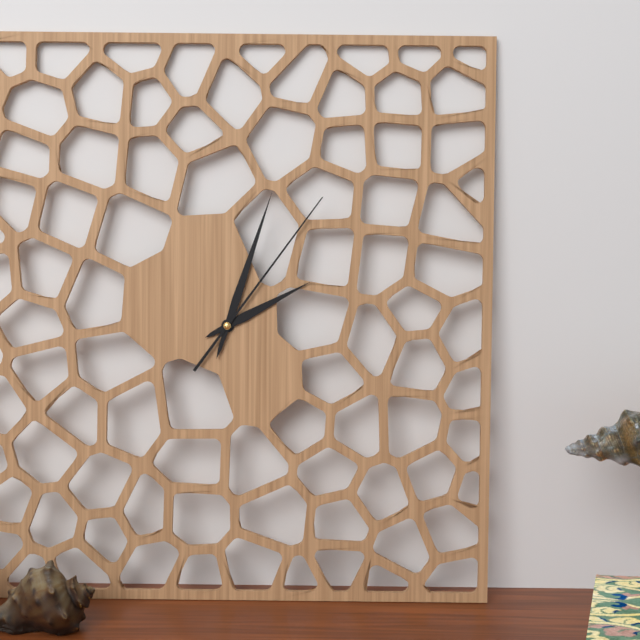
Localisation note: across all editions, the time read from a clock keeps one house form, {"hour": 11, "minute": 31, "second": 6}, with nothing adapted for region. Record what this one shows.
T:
{"hour": 2, "minute": 3, "second": 6}
